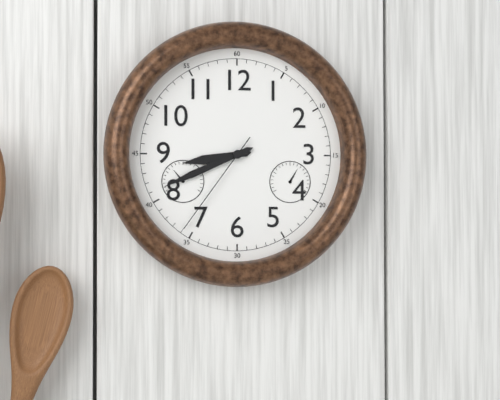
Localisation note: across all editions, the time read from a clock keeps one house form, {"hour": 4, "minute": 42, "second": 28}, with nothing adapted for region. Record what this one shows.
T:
{"hour": 8, "minute": 41, "second": 36}
